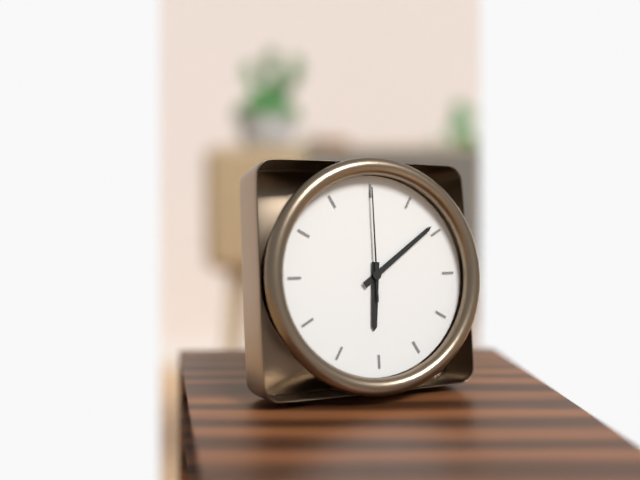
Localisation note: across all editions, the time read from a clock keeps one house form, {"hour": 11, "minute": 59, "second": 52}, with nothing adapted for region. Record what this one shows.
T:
{"hour": 6, "minute": 9, "second": 0}
